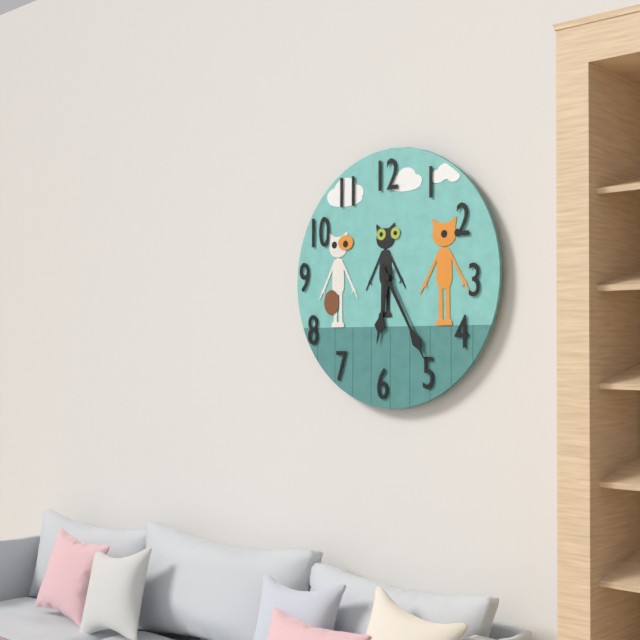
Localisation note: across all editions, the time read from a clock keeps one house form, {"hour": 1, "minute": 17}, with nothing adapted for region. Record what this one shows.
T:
{"hour": 6, "minute": 25}
